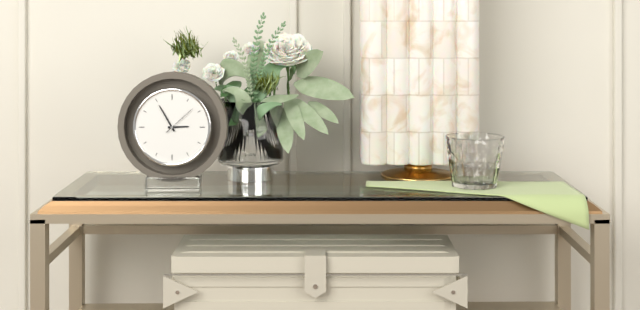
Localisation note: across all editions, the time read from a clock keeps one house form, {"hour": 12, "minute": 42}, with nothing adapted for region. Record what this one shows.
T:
{"hour": 2, "minute": 55}
